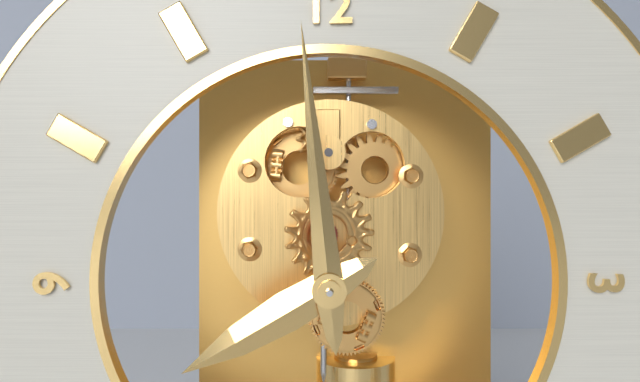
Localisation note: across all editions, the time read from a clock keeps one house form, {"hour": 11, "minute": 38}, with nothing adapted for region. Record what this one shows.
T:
{"hour": 7, "minute": 59}
